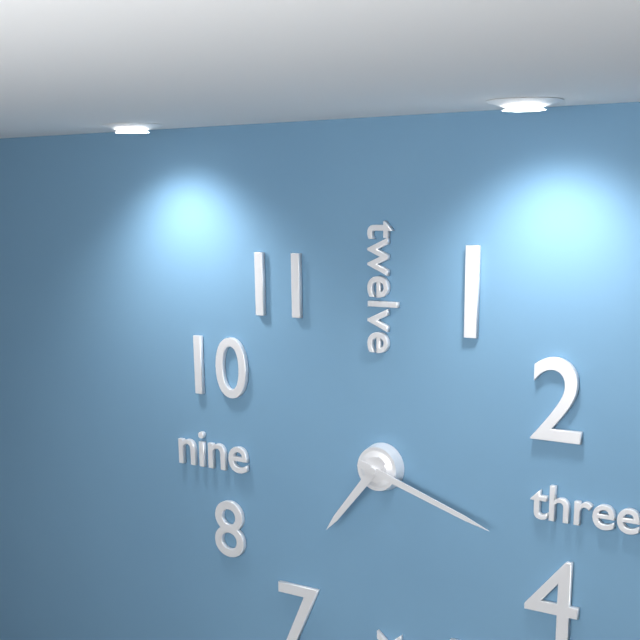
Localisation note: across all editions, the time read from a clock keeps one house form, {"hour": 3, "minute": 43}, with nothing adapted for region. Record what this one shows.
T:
{"hour": 7, "minute": 18}
